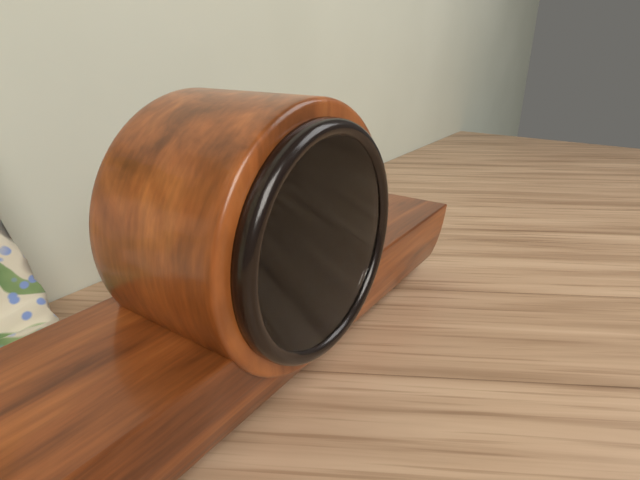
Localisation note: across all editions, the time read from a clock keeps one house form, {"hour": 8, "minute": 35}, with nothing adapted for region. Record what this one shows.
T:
{"hour": 11, "minute": 1}
